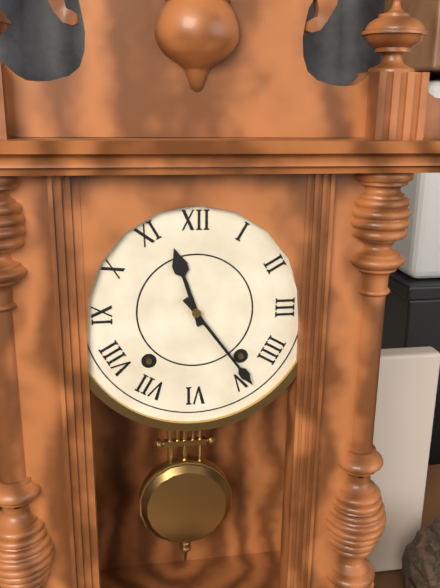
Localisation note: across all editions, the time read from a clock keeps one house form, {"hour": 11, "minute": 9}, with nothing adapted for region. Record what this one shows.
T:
{"hour": 11, "minute": 24}
